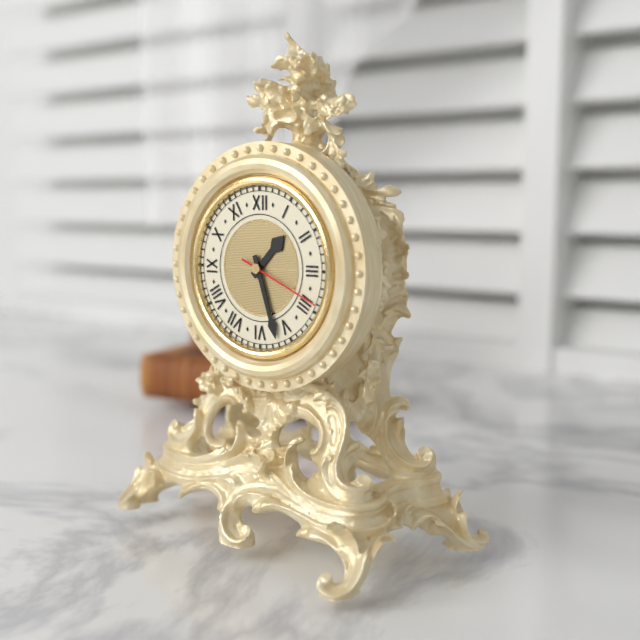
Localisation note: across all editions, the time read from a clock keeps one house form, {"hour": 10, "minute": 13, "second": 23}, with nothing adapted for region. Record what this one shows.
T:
{"hour": 1, "minute": 27, "second": 19}
